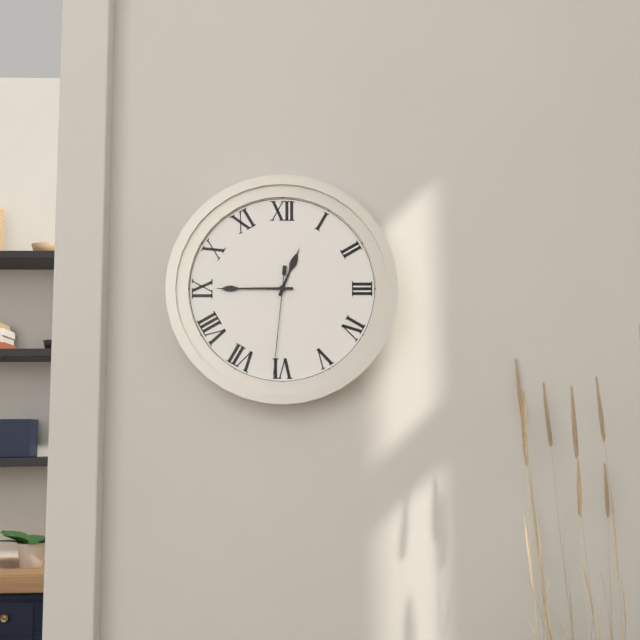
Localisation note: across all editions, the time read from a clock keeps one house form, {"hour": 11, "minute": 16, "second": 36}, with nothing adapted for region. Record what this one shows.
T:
{"hour": 12, "minute": 45, "second": 31}
